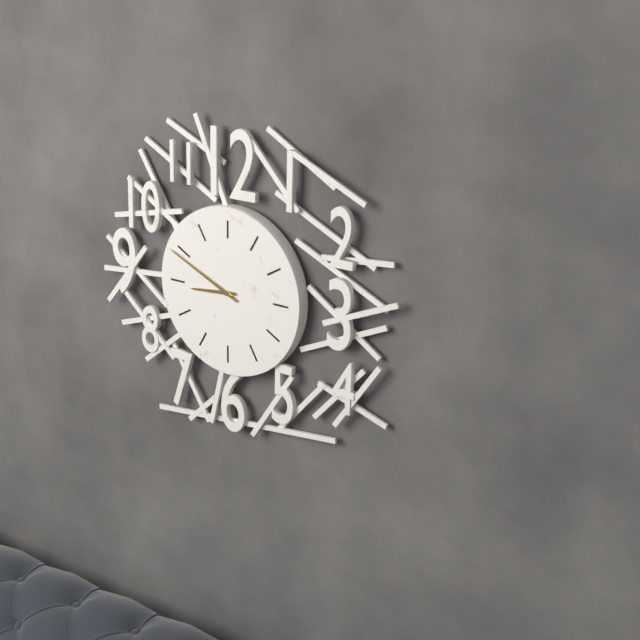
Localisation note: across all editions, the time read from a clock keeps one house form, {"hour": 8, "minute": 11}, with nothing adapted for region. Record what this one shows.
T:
{"hour": 8, "minute": 49}
